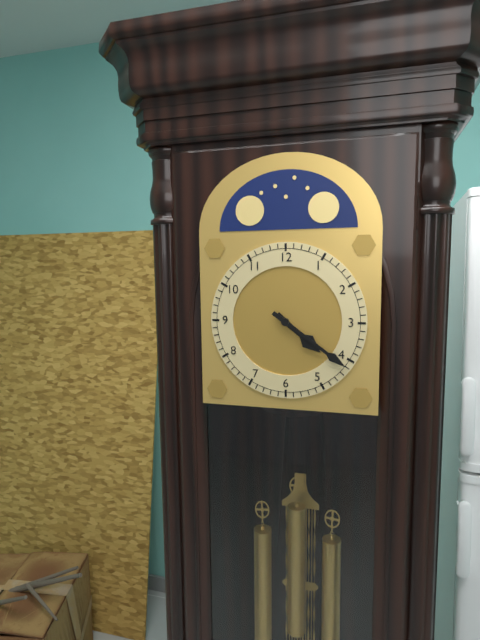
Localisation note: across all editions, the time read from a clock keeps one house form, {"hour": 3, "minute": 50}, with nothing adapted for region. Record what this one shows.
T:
{"hour": 4, "minute": 21}
